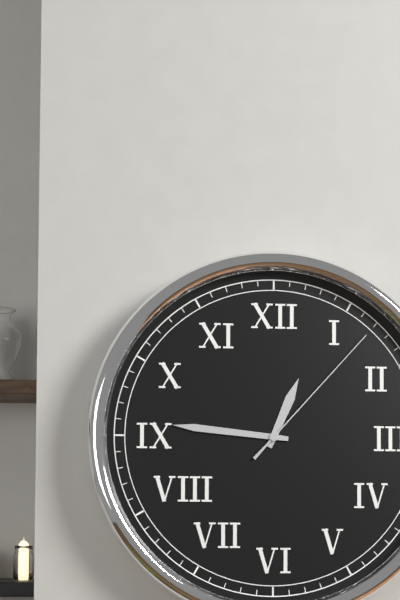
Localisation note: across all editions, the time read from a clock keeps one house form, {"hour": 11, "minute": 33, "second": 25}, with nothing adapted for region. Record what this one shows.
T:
{"hour": 12, "minute": 46, "second": 7}
